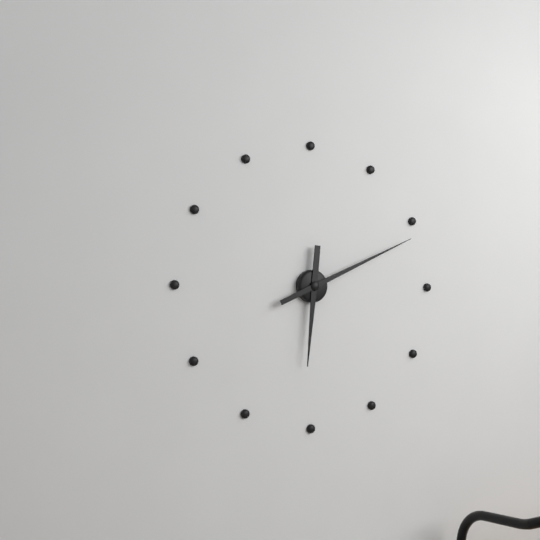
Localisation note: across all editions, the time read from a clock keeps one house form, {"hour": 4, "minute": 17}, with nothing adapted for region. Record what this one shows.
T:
{"hour": 6, "minute": 11}
